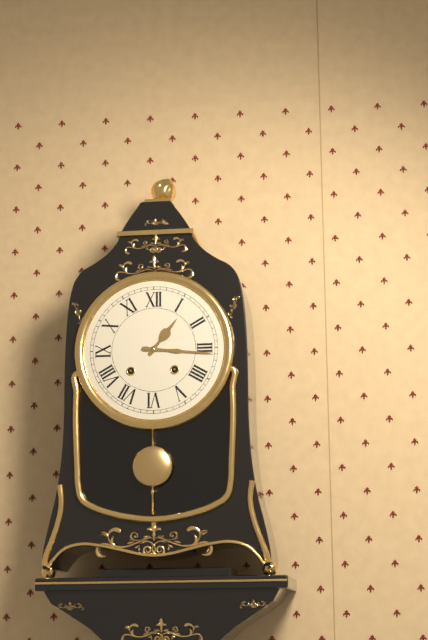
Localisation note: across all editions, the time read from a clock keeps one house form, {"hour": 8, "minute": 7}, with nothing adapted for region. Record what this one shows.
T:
{"hour": 1, "minute": 16}
